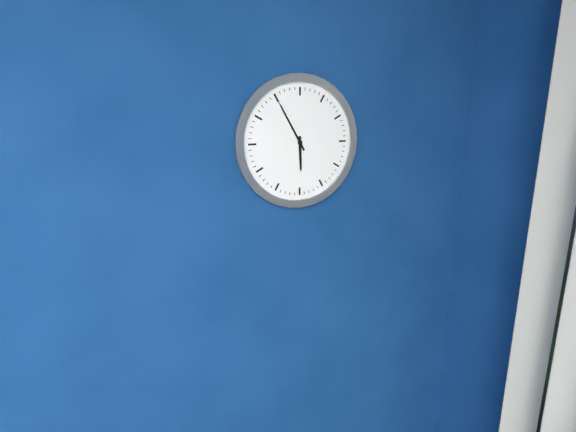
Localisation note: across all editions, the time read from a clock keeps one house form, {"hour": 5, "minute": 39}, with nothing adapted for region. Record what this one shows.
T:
{"hour": 5, "minute": 55}
